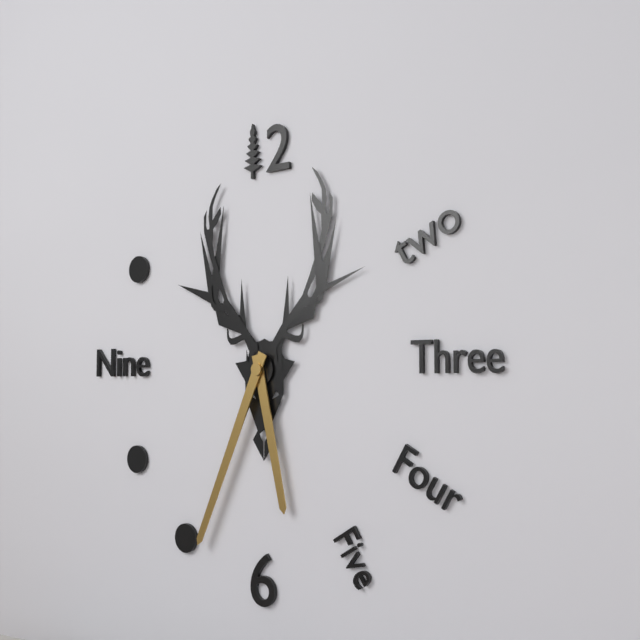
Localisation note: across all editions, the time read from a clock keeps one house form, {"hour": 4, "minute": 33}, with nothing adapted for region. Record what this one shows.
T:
{"hour": 5, "minute": 34}
